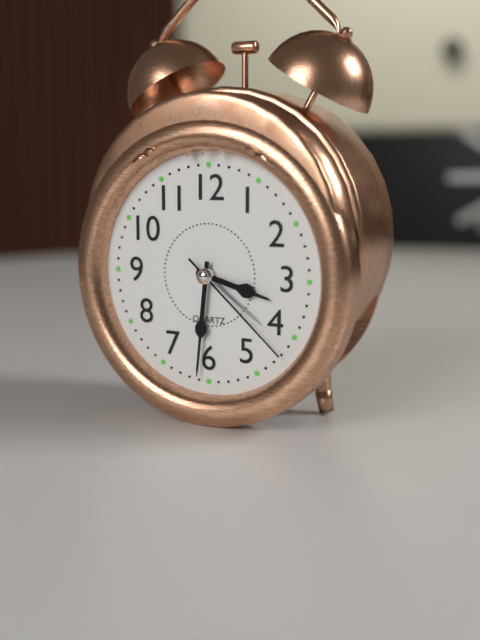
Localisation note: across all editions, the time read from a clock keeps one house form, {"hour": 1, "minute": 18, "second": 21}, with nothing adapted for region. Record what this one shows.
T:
{"hour": 3, "minute": 31, "second": 22}
